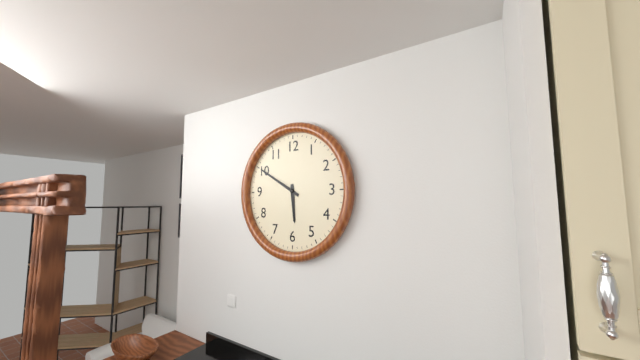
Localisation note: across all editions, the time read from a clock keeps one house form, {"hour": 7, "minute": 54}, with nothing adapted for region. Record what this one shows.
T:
{"hour": 5, "minute": 50}
